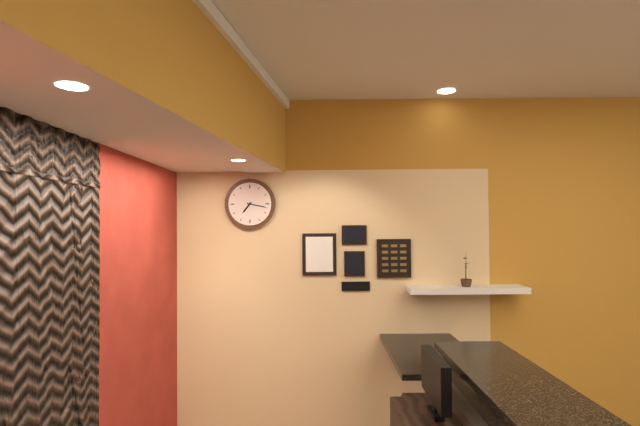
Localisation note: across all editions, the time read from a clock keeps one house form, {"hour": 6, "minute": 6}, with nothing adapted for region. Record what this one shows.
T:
{"hour": 7, "minute": 17}
